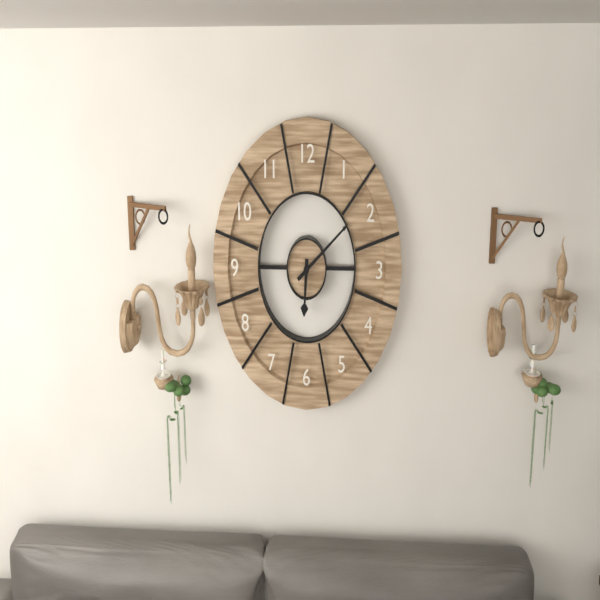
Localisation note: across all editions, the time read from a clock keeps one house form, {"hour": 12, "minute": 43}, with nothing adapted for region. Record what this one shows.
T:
{"hour": 6, "minute": 9}
